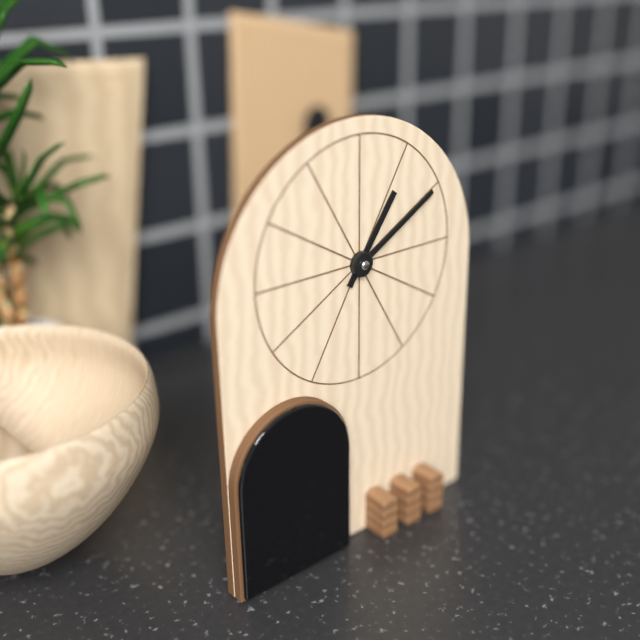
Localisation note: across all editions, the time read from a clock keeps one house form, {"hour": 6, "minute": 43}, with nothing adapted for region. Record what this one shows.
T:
{"hour": 1, "minute": 10}
